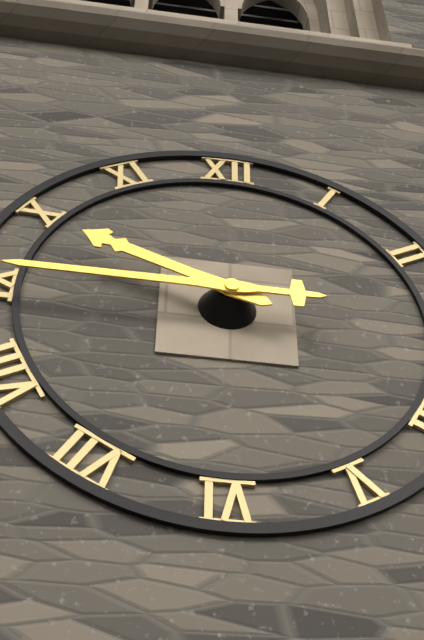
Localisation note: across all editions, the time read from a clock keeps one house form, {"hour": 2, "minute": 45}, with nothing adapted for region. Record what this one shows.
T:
{"hour": 9, "minute": 45}
